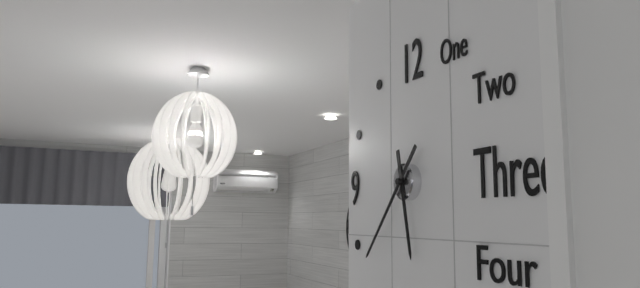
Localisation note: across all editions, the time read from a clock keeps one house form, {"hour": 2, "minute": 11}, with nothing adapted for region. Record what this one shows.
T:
{"hour": 5, "minute": 37}
